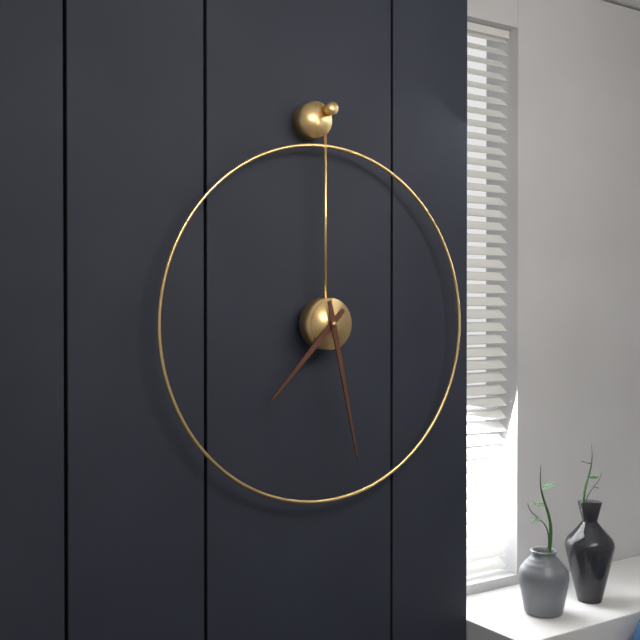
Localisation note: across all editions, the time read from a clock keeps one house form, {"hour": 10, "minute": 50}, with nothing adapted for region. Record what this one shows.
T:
{"hour": 7, "minute": 28}
